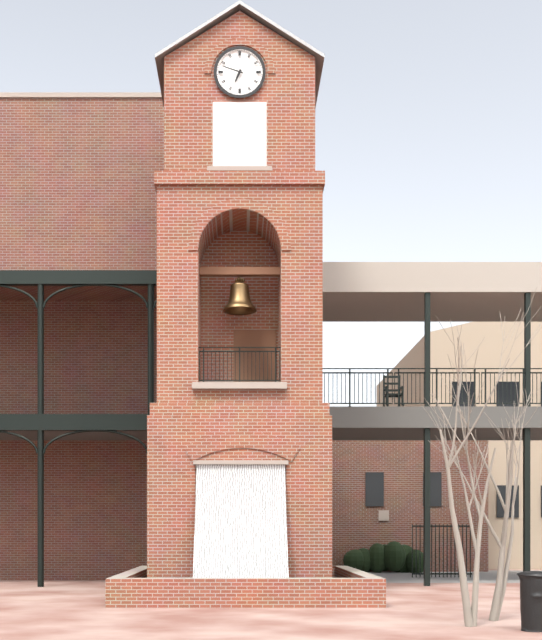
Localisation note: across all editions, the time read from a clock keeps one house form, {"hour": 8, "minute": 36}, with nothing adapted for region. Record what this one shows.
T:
{"hour": 6, "minute": 48}
